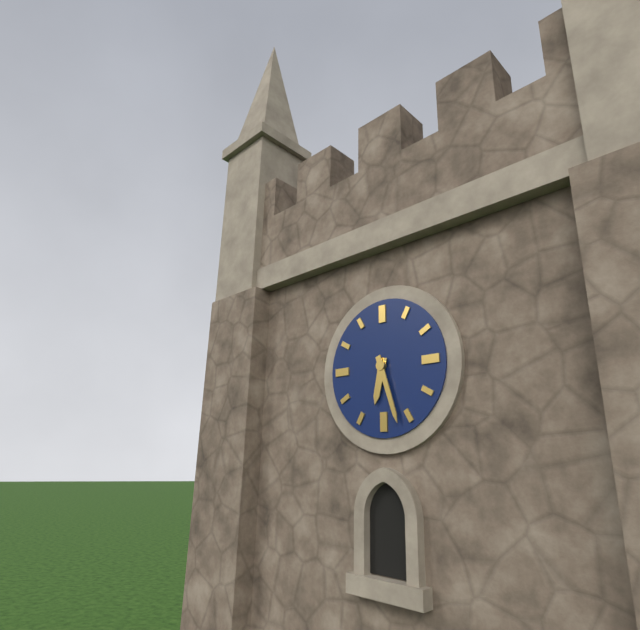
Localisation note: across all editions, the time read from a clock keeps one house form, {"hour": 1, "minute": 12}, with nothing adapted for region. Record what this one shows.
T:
{"hour": 6, "minute": 27}
